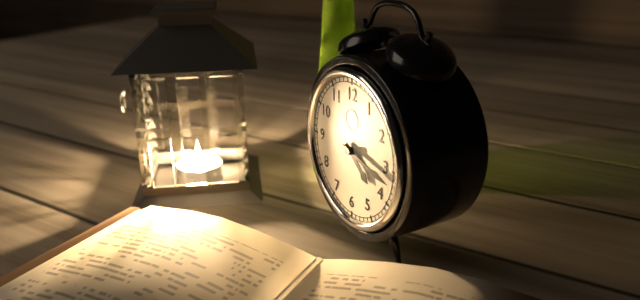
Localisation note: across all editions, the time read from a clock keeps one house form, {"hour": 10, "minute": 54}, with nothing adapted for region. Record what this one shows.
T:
{"hour": 4, "minute": 17}
